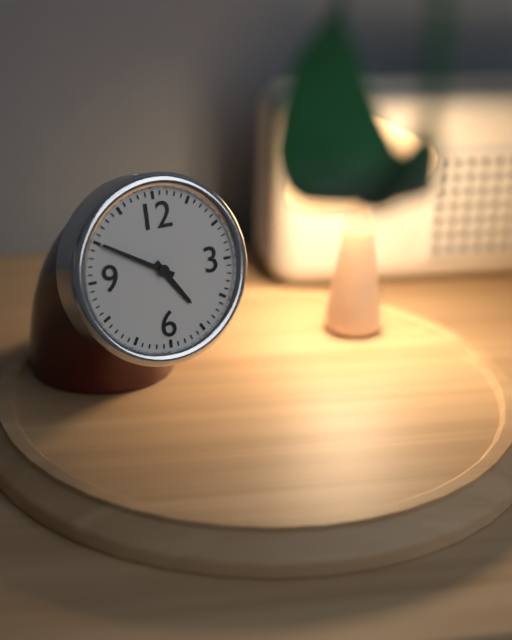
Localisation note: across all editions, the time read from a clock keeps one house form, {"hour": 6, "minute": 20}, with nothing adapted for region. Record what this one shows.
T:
{"hour": 4, "minute": 50}
